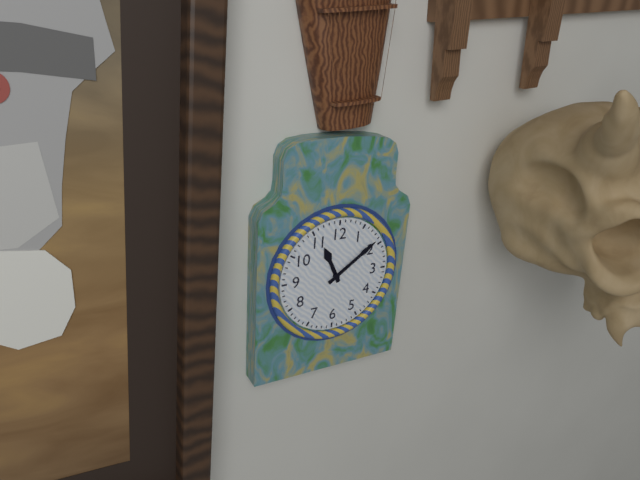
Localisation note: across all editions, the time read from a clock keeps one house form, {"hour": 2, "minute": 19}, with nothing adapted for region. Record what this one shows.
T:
{"hour": 11, "minute": 9}
